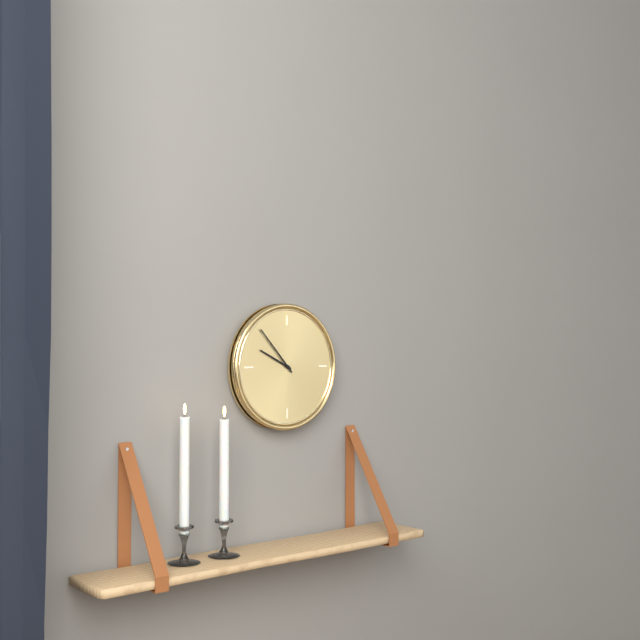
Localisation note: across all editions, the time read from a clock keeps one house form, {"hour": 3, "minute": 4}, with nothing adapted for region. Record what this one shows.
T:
{"hour": 9, "minute": 53}
